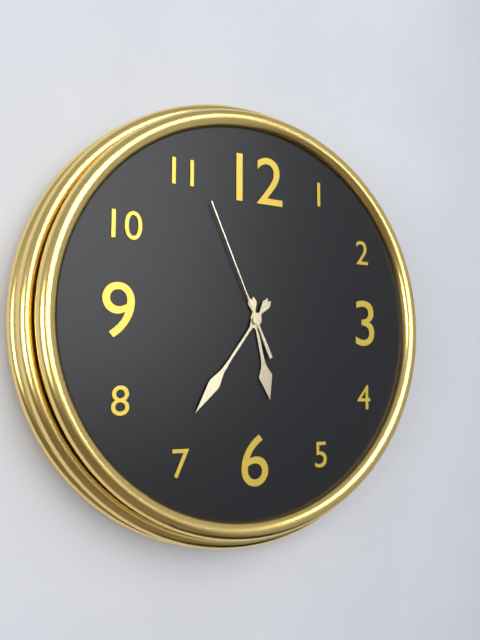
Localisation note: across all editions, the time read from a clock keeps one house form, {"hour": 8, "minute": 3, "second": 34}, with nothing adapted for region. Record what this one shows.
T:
{"hour": 5, "minute": 36, "second": 56}
